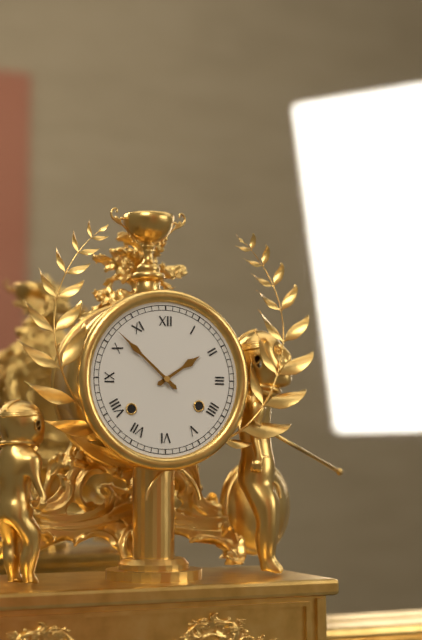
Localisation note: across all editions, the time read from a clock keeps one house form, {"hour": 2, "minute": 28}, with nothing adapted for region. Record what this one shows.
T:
{"hour": 1, "minute": 52}
